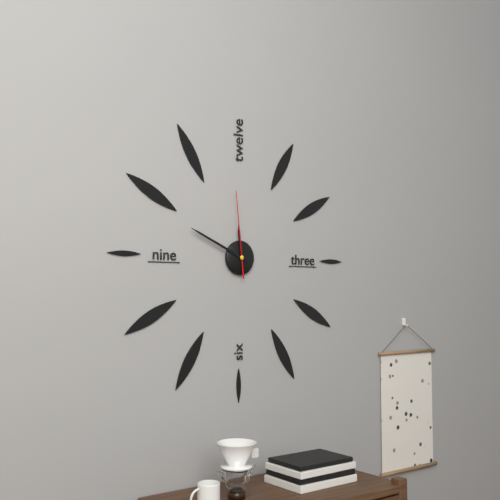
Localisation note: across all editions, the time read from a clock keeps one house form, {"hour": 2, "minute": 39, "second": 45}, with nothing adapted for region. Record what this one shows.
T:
{"hour": 11, "minute": 49, "second": 59}
